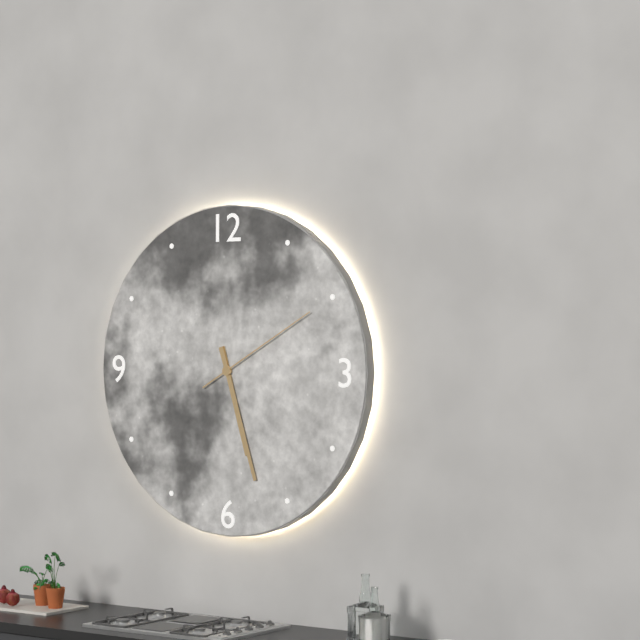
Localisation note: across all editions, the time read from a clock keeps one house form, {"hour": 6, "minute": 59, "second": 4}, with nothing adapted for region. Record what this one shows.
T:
{"hour": 5, "minute": 27, "second": 10}
